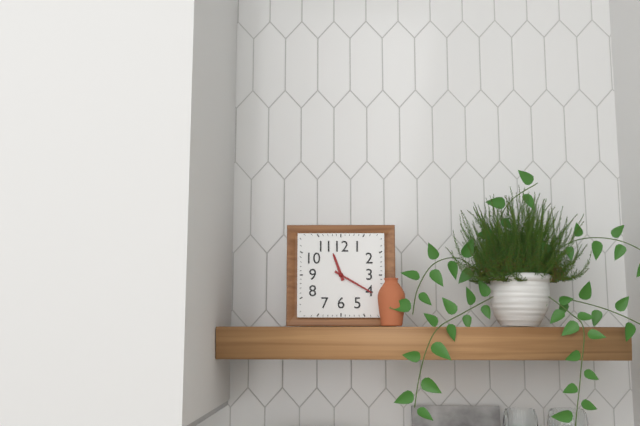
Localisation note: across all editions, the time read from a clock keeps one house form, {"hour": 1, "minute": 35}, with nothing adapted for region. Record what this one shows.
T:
{"hour": 11, "minute": 20}
